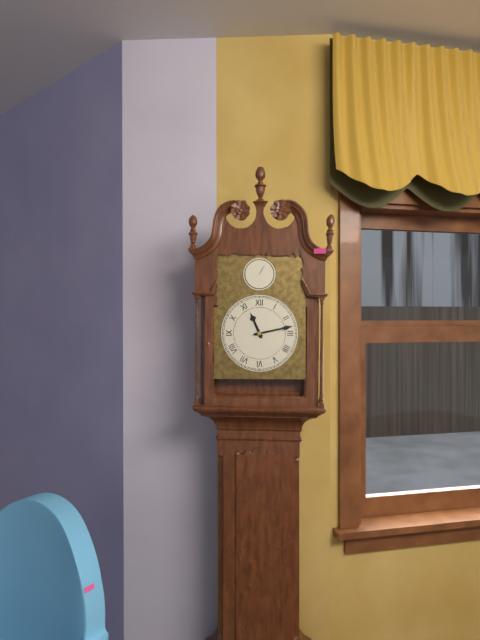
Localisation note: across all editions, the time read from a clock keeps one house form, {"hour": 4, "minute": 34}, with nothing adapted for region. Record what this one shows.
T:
{"hour": 11, "minute": 13}
